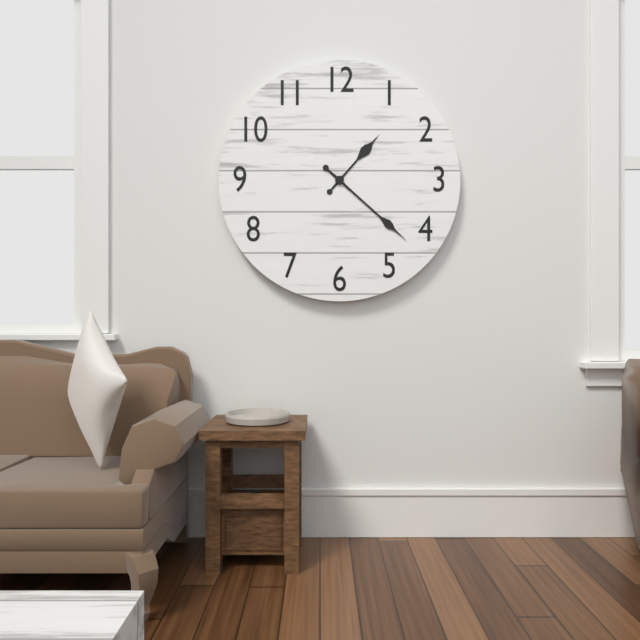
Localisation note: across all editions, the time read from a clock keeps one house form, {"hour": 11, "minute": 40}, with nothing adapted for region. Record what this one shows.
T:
{"hour": 1, "minute": 22}
